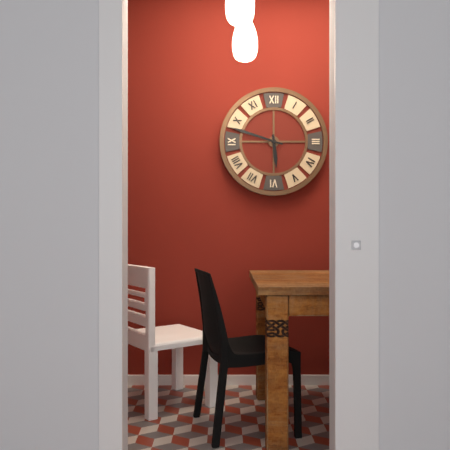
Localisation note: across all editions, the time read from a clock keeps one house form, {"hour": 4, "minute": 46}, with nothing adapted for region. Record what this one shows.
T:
{"hour": 5, "minute": 48}
